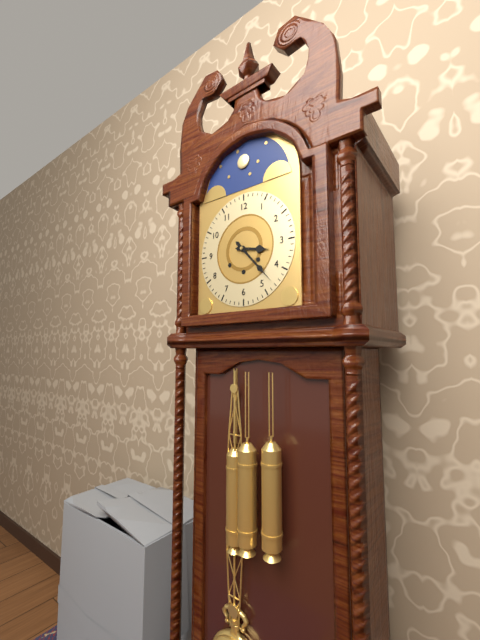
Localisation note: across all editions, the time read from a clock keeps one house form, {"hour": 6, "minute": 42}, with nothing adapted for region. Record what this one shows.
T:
{"hour": 3, "minute": 23}
